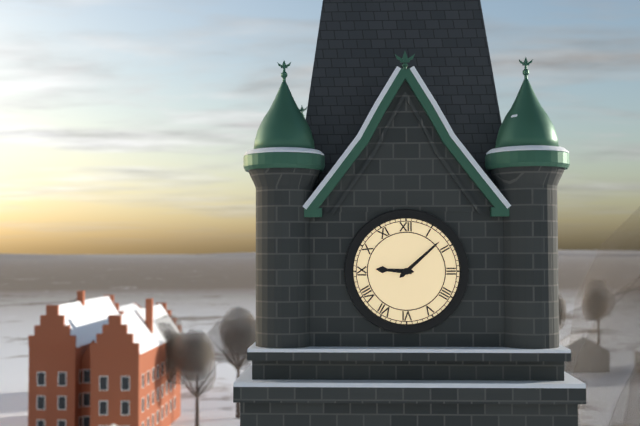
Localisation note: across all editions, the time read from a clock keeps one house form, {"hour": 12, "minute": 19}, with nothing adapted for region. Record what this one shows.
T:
{"hour": 9, "minute": 8}
